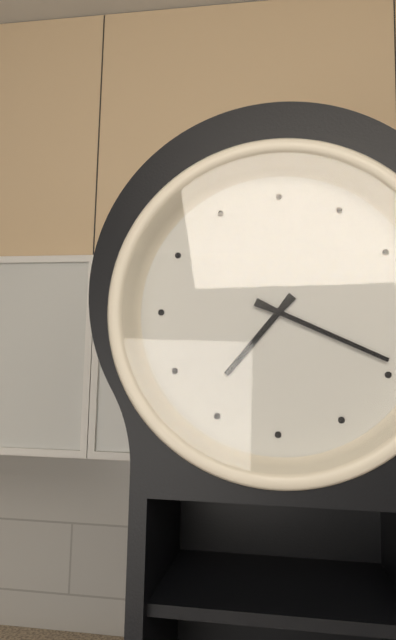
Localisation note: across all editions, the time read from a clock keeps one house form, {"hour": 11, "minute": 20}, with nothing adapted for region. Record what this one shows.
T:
{"hour": 7, "minute": 19}
